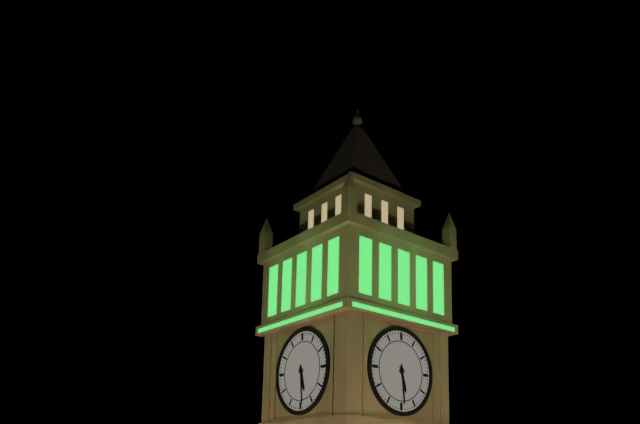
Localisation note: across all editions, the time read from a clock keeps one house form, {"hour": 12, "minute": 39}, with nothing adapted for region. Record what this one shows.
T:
{"hour": 5, "minute": 29}
